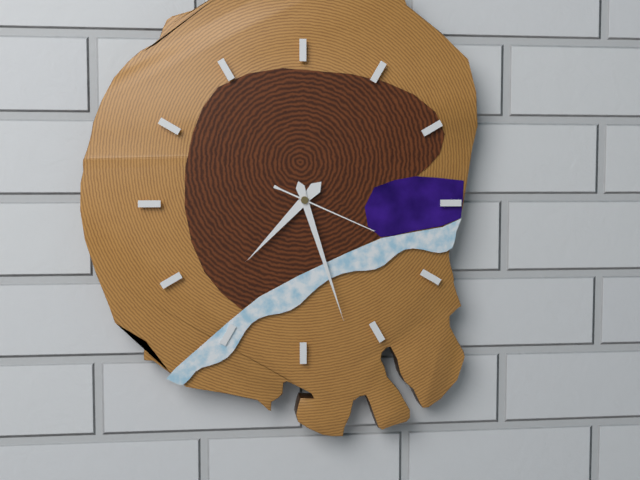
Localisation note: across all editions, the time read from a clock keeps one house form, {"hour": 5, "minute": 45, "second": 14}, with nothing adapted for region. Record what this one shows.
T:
{"hour": 7, "minute": 27, "second": 19}
